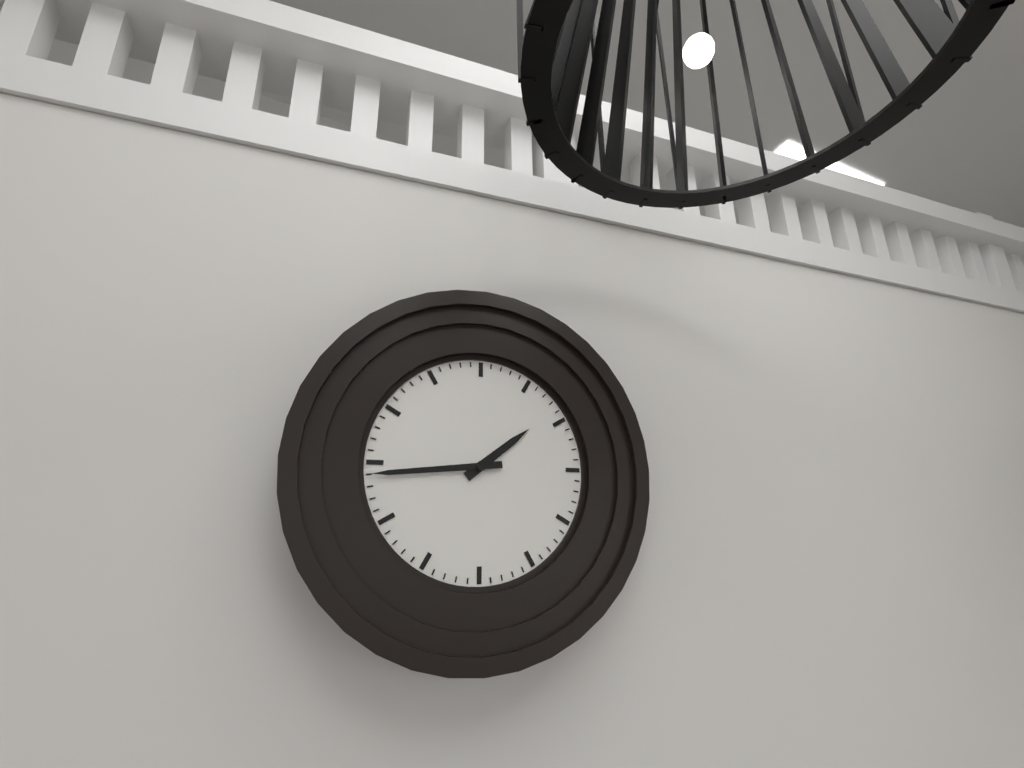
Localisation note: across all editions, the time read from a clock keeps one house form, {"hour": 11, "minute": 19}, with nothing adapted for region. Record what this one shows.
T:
{"hour": 1, "minute": 44}
